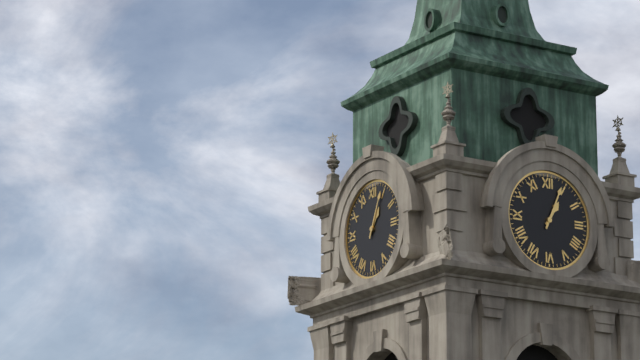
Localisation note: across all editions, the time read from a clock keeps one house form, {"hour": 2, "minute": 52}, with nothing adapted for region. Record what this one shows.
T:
{"hour": 1, "minute": 4}
